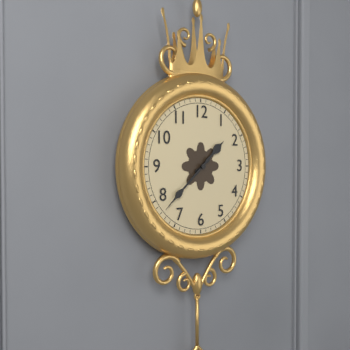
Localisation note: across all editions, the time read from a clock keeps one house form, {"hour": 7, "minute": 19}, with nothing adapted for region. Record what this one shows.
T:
{"hour": 1, "minute": 38}
